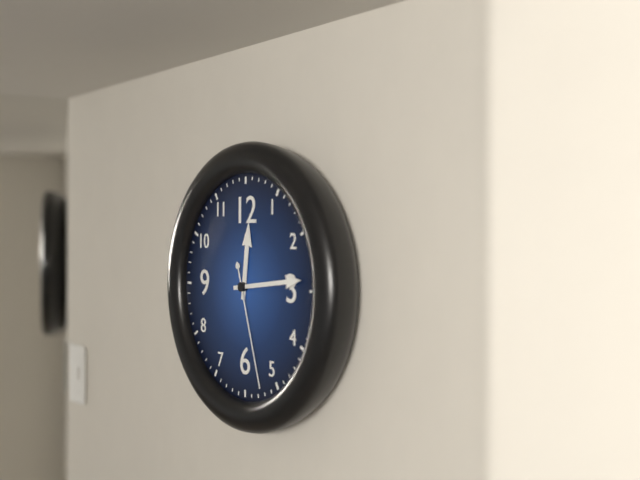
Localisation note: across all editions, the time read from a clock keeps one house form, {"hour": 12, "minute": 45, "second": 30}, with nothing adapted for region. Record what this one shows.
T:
{"hour": 12, "minute": 14, "second": 27}
